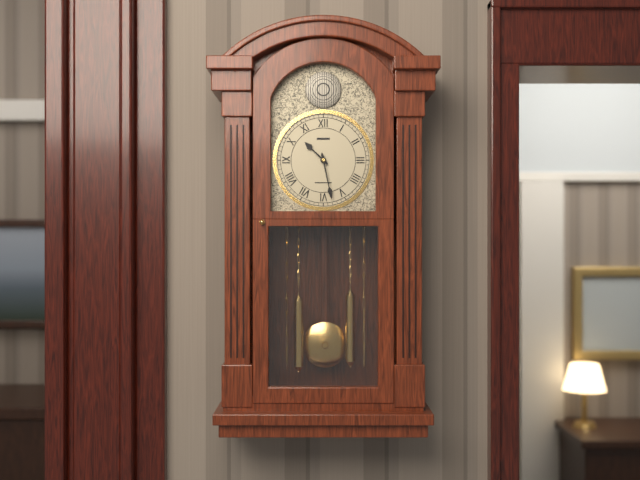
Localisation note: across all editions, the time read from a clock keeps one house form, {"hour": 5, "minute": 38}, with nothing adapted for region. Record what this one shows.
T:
{"hour": 10, "minute": 28}
